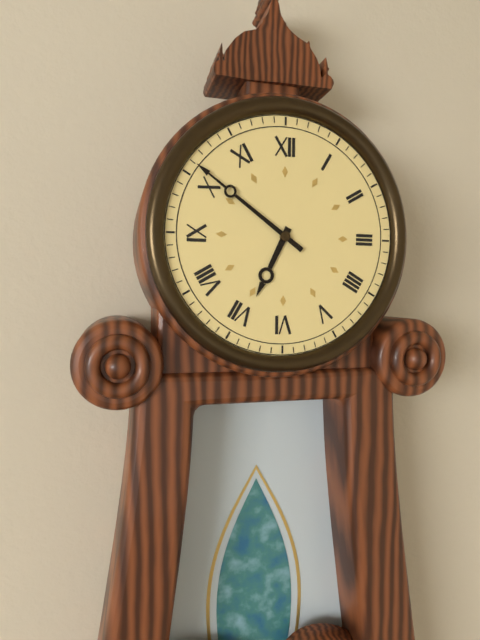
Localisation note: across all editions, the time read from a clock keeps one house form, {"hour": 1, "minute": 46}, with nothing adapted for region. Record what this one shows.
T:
{"hour": 6, "minute": 51}
